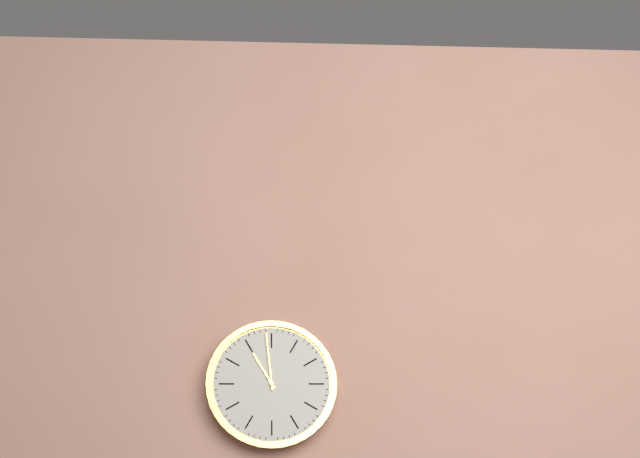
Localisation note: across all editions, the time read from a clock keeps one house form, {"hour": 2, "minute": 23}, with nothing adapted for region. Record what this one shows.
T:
{"hour": 10, "minute": 59}
